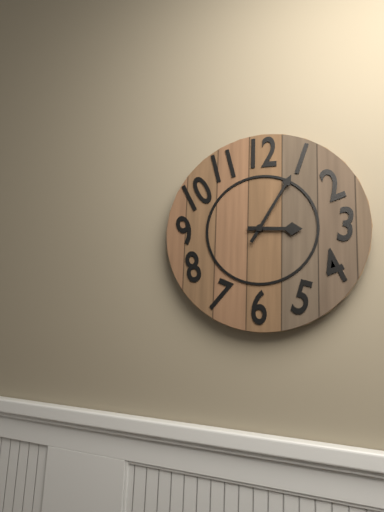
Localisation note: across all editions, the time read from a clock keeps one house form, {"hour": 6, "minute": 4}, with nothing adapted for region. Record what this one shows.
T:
{"hour": 3, "minute": 5}
